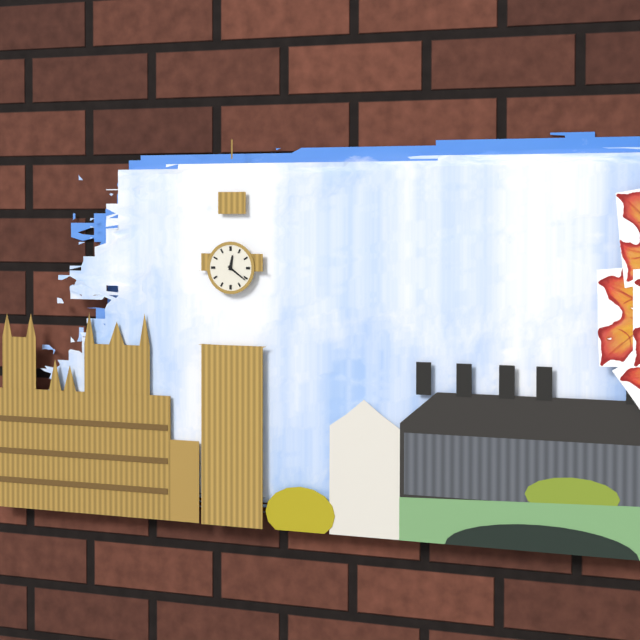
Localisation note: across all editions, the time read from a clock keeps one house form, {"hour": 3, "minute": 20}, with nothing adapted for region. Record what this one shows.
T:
{"hour": 12, "minute": 21}
